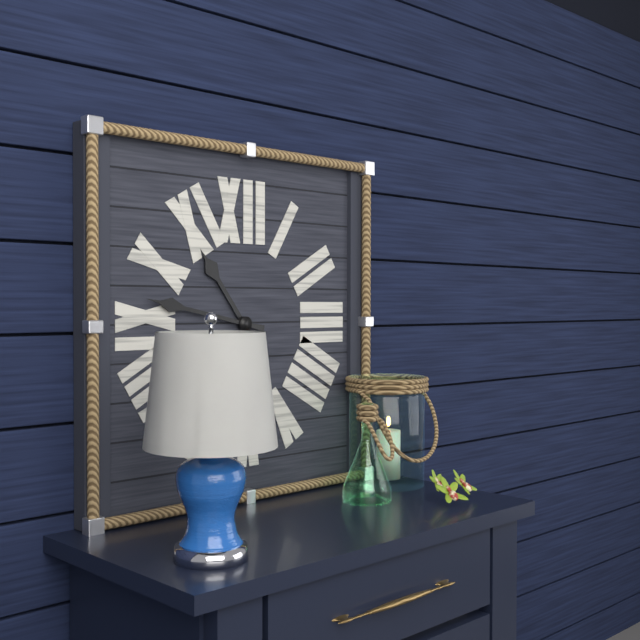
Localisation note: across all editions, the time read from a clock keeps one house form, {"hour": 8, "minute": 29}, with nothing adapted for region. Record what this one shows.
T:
{"hour": 10, "minute": 47}
